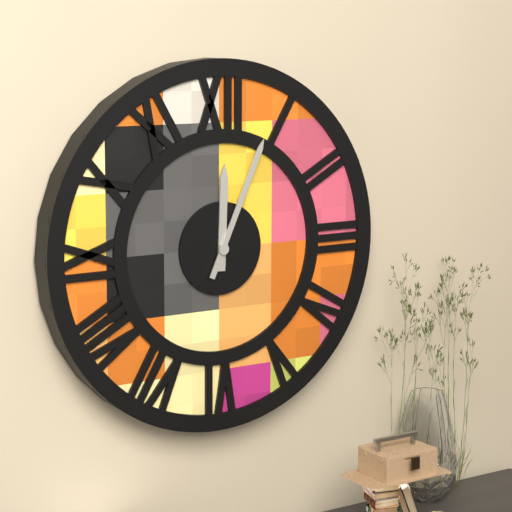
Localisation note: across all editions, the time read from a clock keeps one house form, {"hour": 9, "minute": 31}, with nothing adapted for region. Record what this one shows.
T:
{"hour": 12, "minute": 4}
